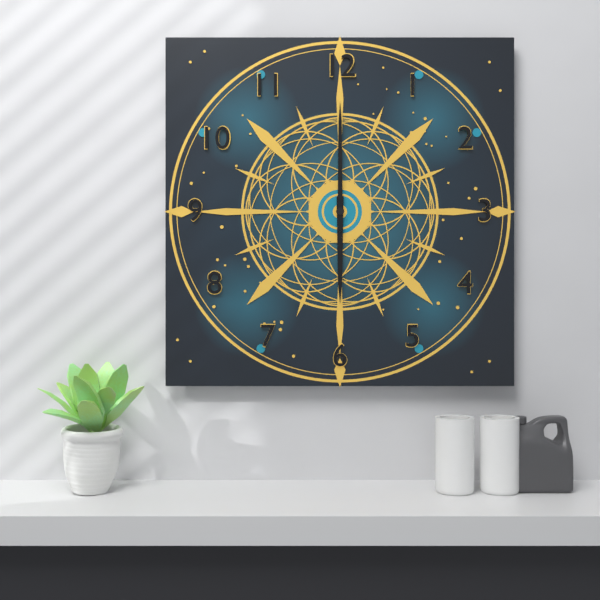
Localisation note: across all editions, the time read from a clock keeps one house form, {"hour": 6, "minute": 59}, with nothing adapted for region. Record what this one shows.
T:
{"hour": 6, "minute": 0}
